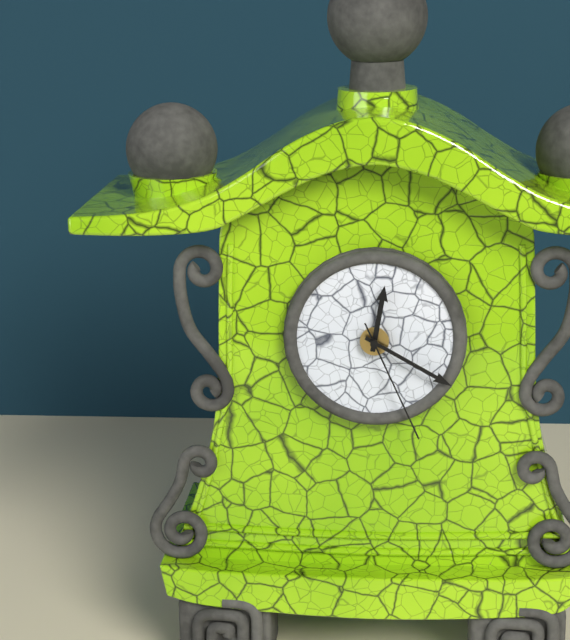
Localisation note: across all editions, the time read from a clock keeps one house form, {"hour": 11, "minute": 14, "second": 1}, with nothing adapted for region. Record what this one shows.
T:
{"hour": 12, "minute": 20, "second": 26}
